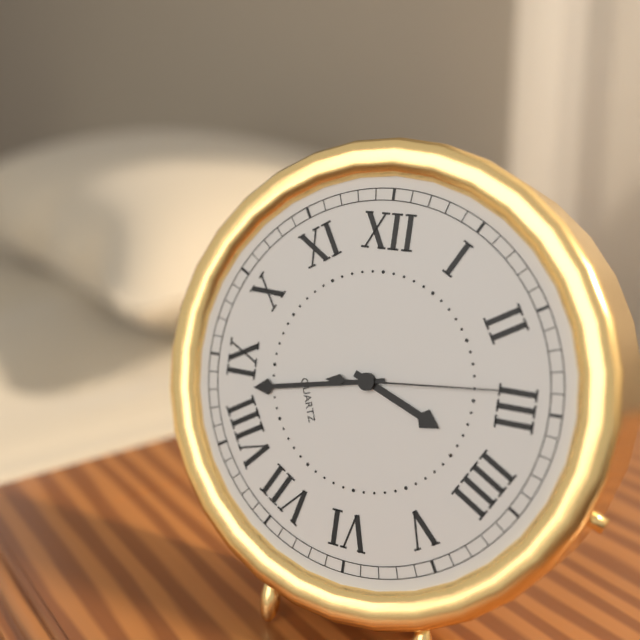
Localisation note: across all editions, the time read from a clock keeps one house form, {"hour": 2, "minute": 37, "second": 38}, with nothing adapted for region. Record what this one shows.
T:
{"hour": 3, "minute": 43, "second": 14}
